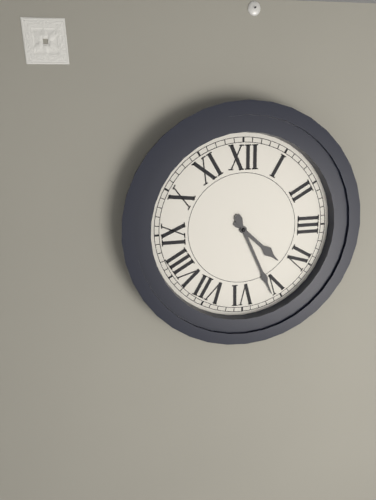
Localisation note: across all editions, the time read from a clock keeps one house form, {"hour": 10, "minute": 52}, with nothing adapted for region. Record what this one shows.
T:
{"hour": 4, "minute": 26}
